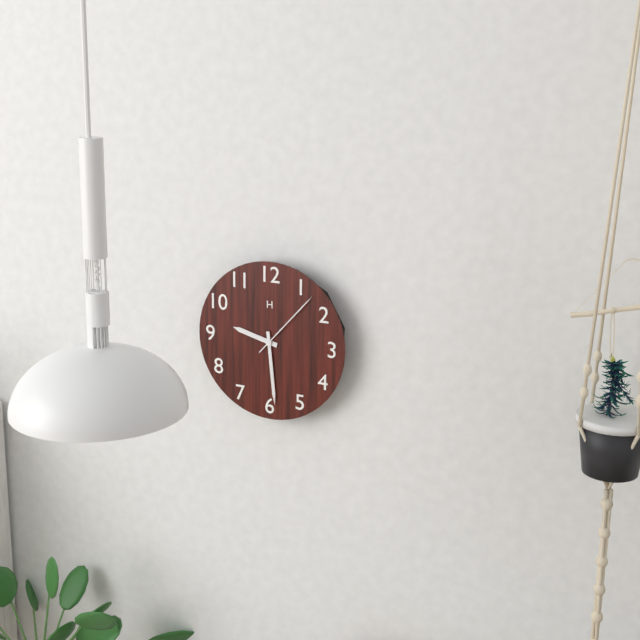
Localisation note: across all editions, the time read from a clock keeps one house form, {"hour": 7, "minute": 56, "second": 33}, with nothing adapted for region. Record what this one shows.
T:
{"hour": 9, "minute": 29, "second": 7}
